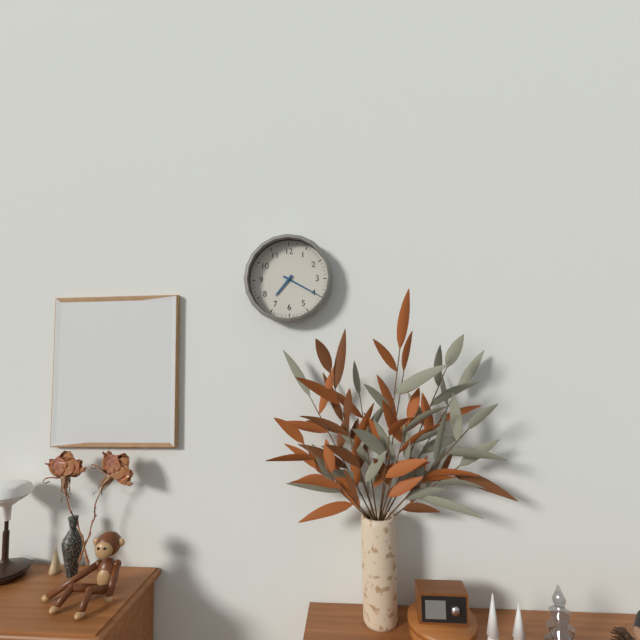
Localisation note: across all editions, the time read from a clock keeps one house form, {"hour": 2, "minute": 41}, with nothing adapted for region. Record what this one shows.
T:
{"hour": 7, "minute": 20}
